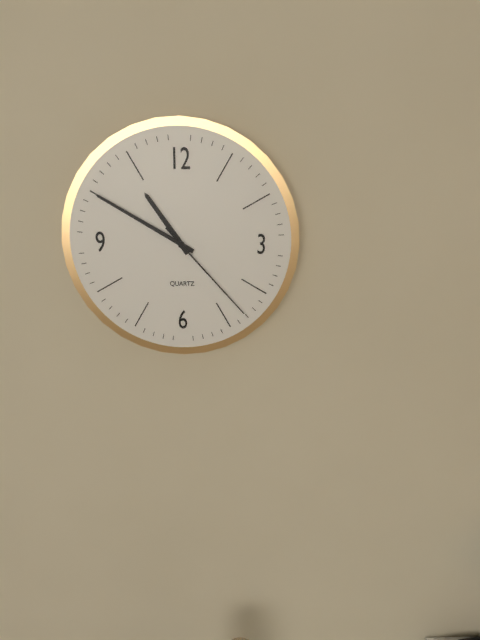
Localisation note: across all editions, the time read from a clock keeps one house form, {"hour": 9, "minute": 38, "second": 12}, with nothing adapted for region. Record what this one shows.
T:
{"hour": 10, "minute": 50, "second": 23}
